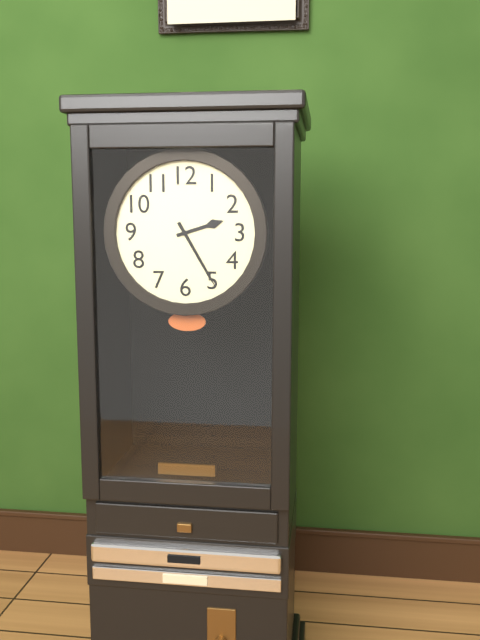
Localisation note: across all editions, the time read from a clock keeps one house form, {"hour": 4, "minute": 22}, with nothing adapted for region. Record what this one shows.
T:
{"hour": 2, "minute": 25}
